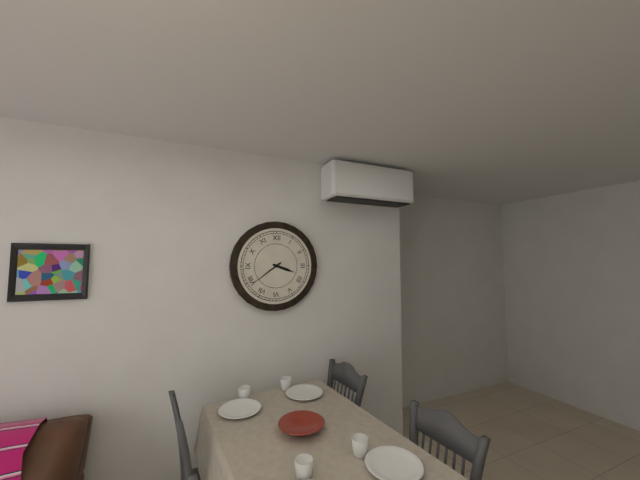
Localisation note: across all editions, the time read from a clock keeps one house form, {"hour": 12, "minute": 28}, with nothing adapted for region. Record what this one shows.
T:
{"hour": 3, "minute": 39}
